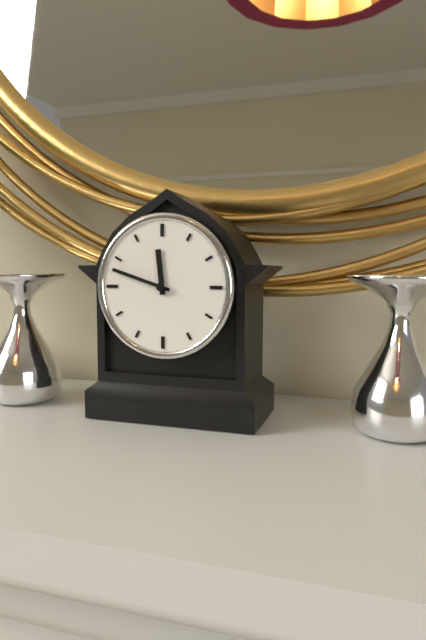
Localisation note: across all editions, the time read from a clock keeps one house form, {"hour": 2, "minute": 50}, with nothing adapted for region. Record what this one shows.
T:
{"hour": 11, "minute": 48}
